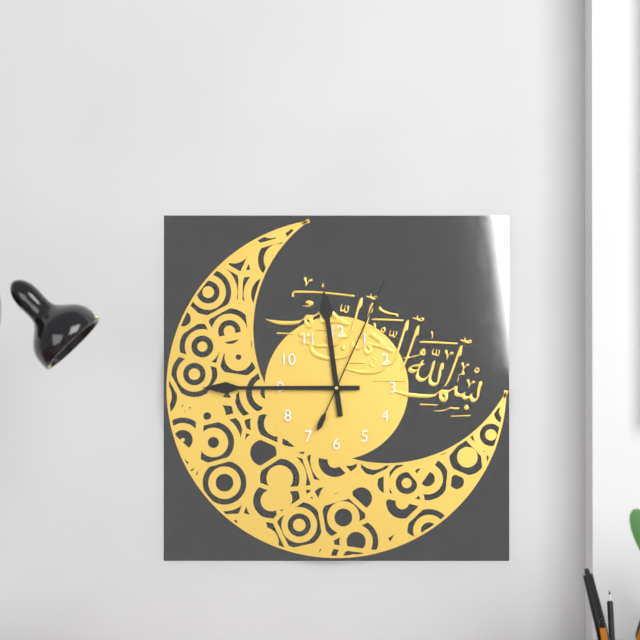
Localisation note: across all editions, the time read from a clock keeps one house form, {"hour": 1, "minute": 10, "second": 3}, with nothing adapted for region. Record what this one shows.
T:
{"hour": 11, "minute": 45, "second": 4}
